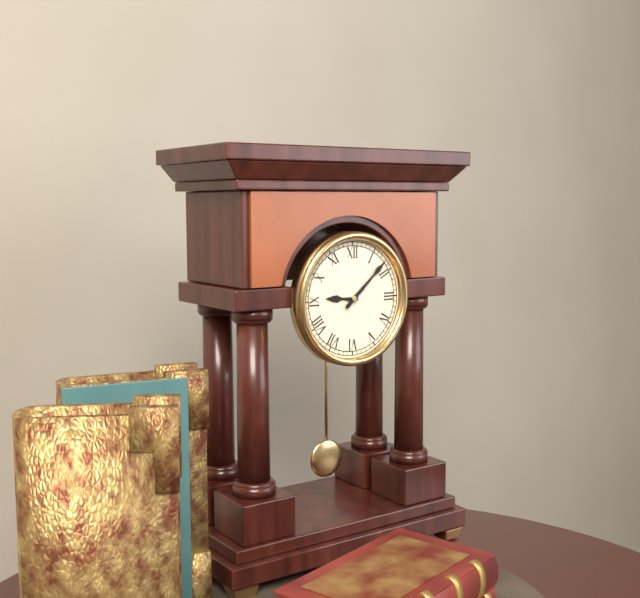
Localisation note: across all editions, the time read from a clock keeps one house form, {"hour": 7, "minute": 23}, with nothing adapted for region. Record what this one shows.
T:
{"hour": 9, "minute": 8}
